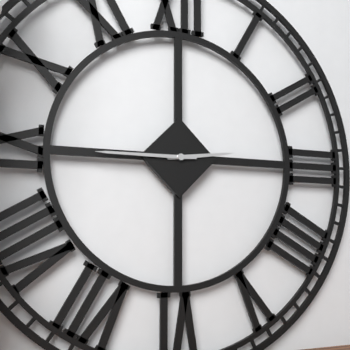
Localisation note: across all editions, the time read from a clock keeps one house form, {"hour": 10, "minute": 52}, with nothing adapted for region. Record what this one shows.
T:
{"hour": 2, "minute": 45}
